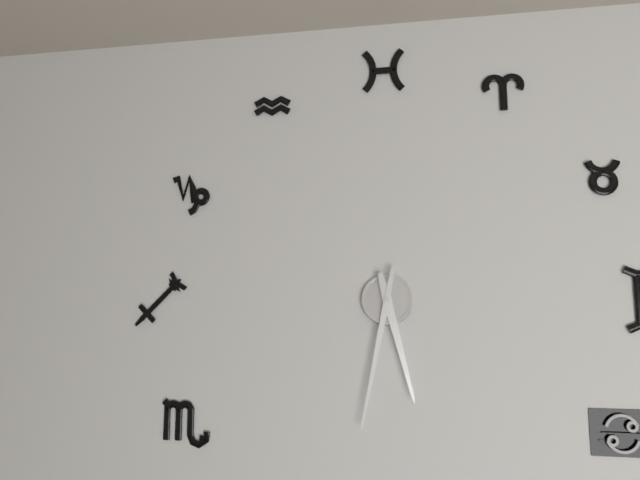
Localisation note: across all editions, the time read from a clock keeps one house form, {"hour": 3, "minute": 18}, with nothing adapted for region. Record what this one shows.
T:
{"hour": 5, "minute": 32}
